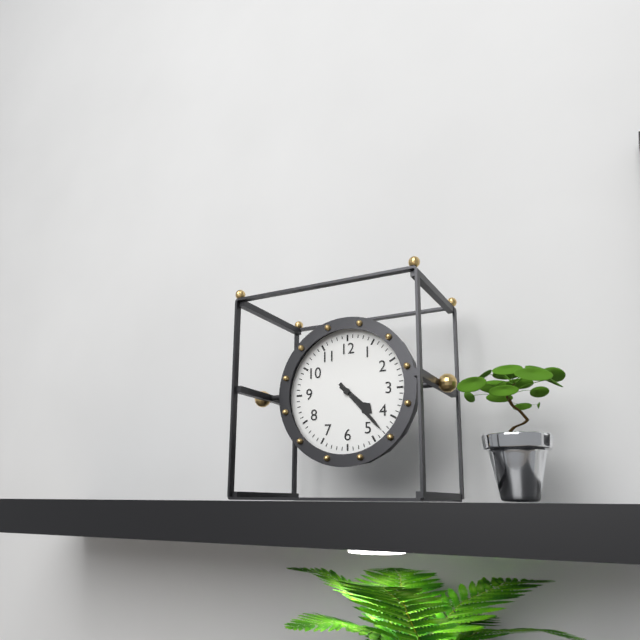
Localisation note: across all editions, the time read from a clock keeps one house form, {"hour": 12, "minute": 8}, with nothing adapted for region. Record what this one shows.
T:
{"hour": 4, "minute": 23}
